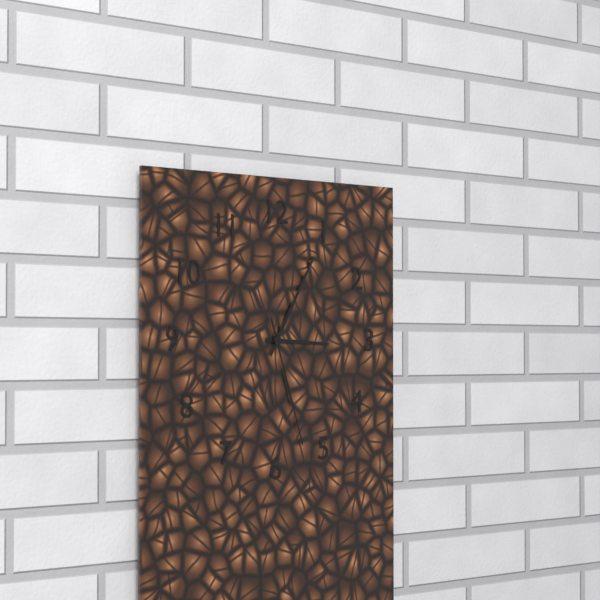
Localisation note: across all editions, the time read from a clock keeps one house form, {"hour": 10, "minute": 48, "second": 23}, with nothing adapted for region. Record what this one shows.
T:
{"hour": 3, "minute": 5, "second": 27}
